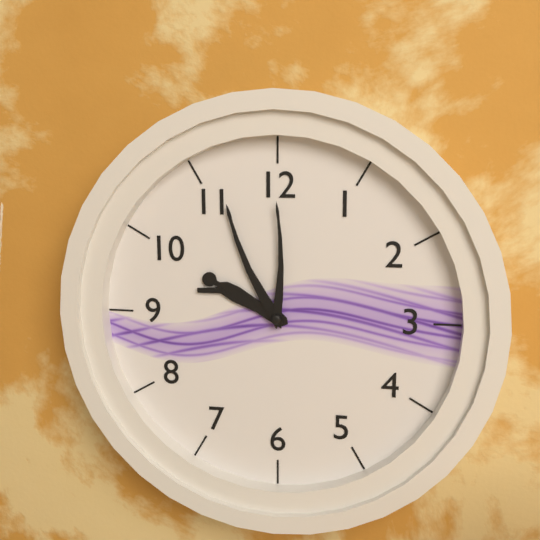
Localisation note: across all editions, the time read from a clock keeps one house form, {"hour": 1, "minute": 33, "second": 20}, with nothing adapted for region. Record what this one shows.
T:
{"hour": 9, "minute": 56, "second": 0}
